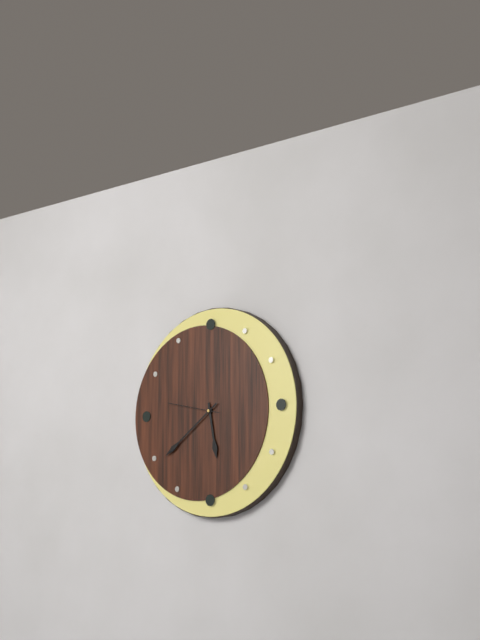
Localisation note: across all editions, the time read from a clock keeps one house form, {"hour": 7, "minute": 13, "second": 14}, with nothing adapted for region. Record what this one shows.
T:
{"hour": 5, "minute": 39, "second": 47}
